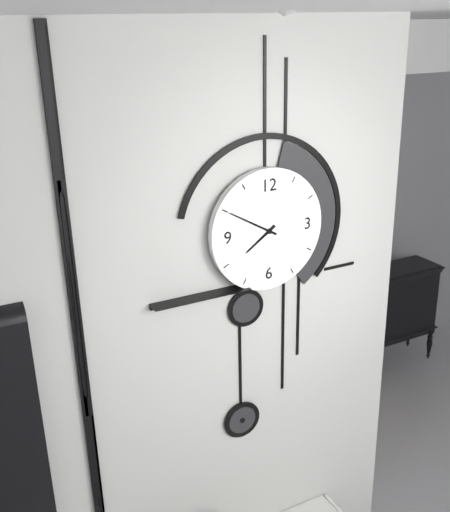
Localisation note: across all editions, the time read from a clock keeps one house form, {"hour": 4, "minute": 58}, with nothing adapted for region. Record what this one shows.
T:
{"hour": 7, "minute": 50}
